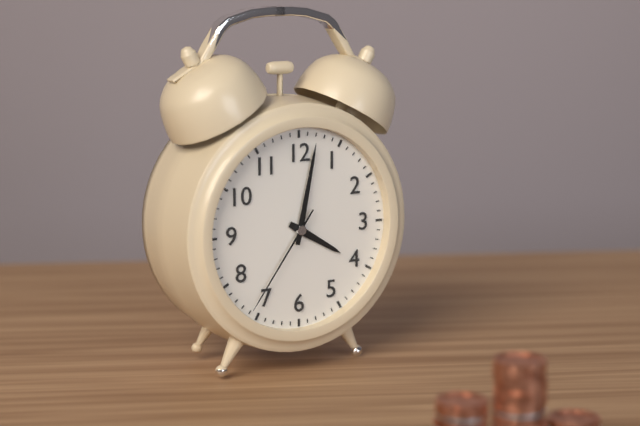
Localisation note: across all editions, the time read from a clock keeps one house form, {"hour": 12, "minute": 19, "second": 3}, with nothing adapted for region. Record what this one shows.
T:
{"hour": 4, "minute": 2, "second": 36}
